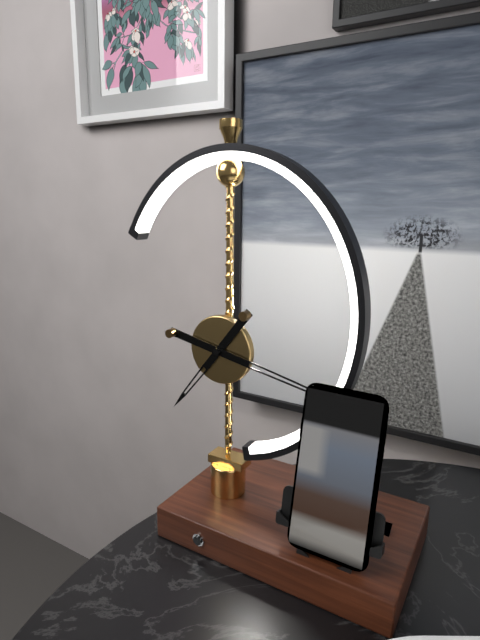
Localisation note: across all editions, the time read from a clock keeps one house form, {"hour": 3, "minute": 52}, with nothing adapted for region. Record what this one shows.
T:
{"hour": 7, "minute": 17}
